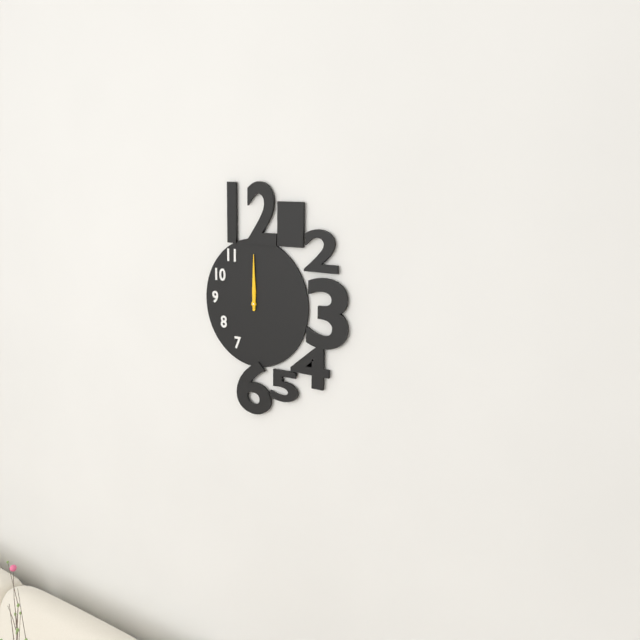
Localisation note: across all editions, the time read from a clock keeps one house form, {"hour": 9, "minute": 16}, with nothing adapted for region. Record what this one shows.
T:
{"hour": 12, "minute": 0}
